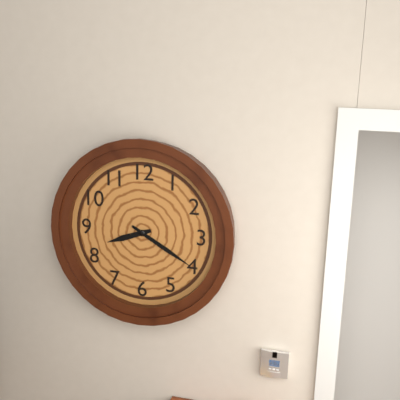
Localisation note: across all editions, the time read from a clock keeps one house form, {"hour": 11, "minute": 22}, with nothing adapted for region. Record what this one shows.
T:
{"hour": 8, "minute": 20}
